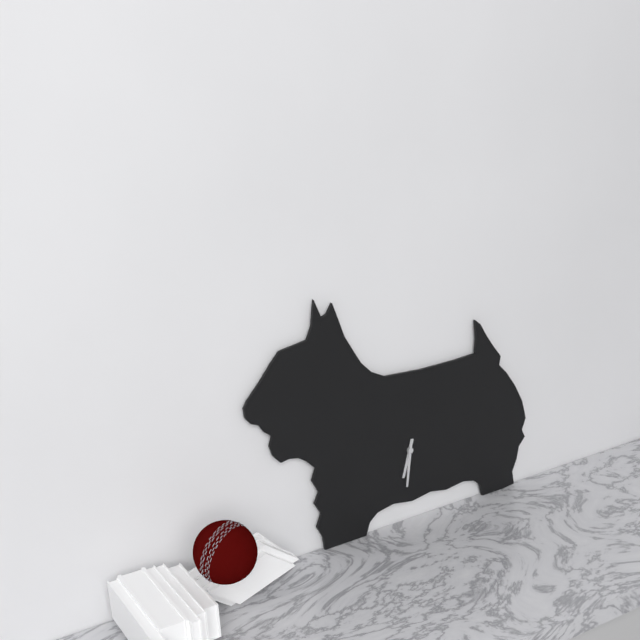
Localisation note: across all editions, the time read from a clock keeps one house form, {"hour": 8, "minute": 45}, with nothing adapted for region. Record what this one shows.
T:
{"hour": 6, "minute": 31}
